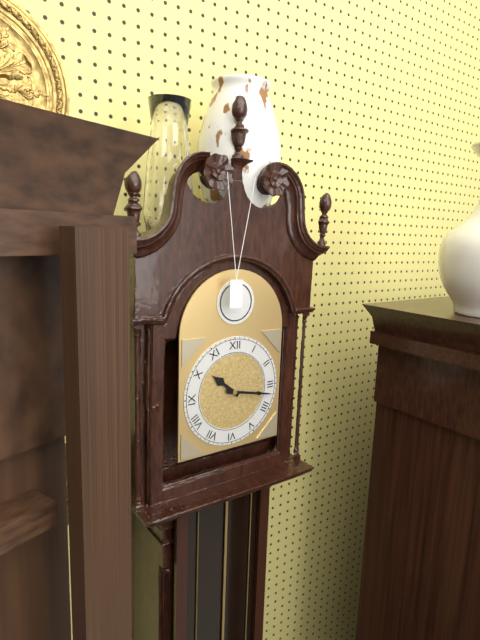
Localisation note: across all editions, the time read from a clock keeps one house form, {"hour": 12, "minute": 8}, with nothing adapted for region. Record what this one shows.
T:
{"hour": 10, "minute": 17}
